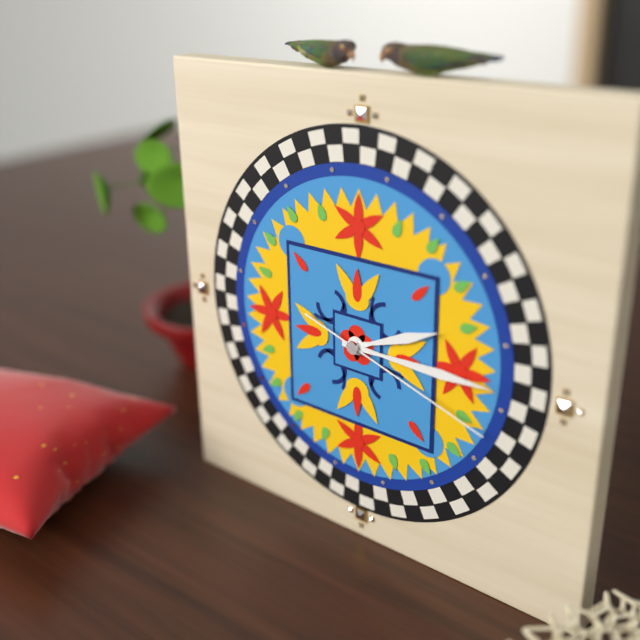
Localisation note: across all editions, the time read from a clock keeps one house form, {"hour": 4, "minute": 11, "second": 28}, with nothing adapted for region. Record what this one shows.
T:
{"hour": 2, "minute": 15, "second": 18}
